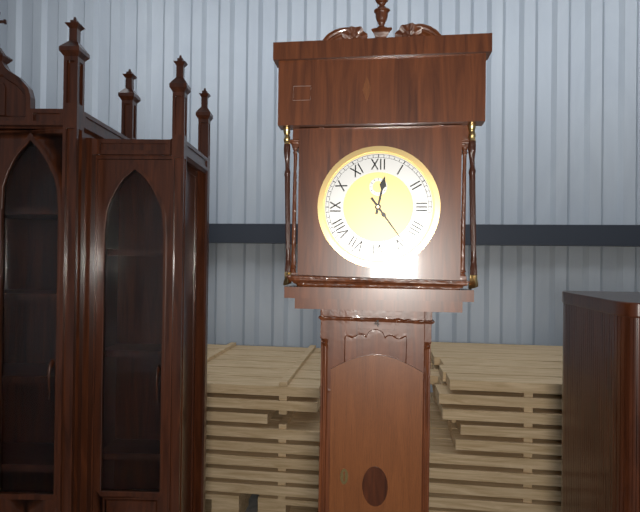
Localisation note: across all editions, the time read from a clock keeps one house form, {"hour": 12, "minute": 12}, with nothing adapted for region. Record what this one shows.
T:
{"hour": 12, "minute": 24}
